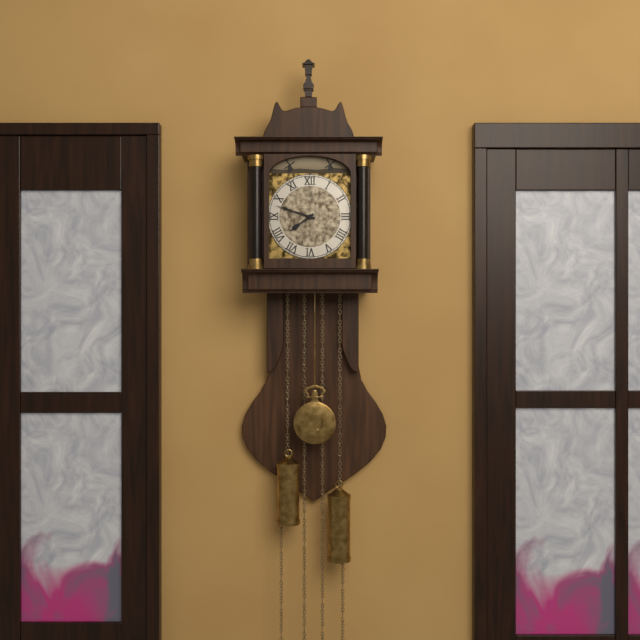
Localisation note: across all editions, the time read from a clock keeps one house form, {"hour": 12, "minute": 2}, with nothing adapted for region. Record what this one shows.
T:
{"hour": 7, "minute": 48}
